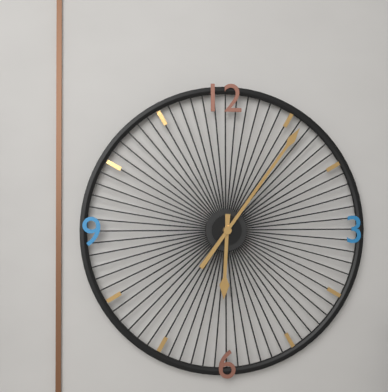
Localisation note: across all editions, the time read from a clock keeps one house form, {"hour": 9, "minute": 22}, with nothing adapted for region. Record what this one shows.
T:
{"hour": 6, "minute": 6}
